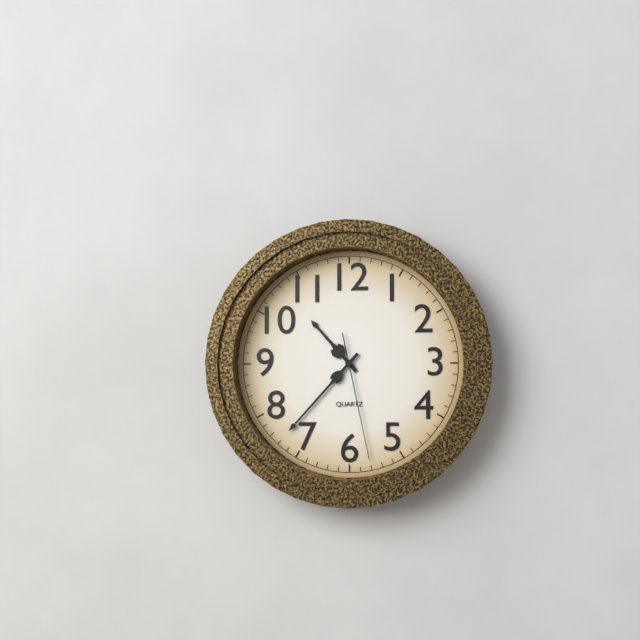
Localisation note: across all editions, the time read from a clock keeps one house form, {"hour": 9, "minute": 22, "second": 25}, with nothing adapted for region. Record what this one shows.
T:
{"hour": 10, "minute": 37, "second": 28}
